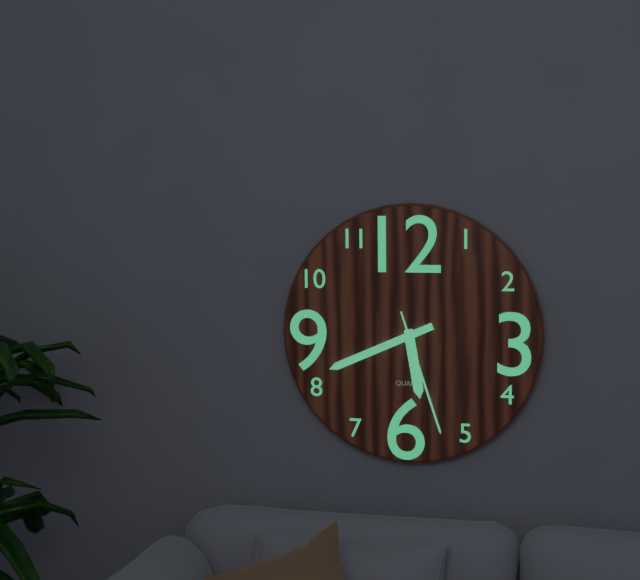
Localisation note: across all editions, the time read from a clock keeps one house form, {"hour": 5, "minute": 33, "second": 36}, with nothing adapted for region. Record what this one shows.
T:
{"hour": 5, "minute": 41, "second": 27}
